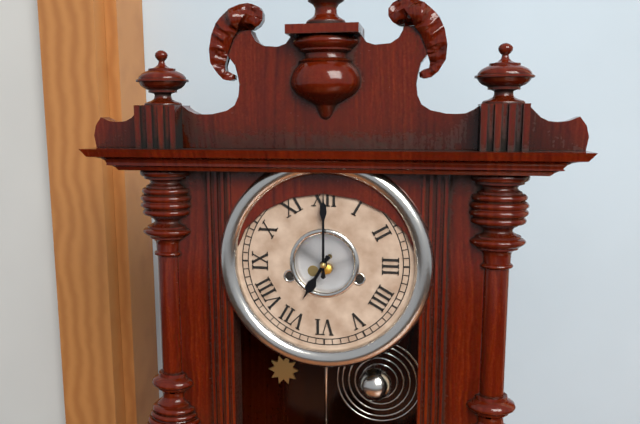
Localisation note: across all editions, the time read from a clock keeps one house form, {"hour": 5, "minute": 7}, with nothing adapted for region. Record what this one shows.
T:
{"hour": 7, "minute": 0}
